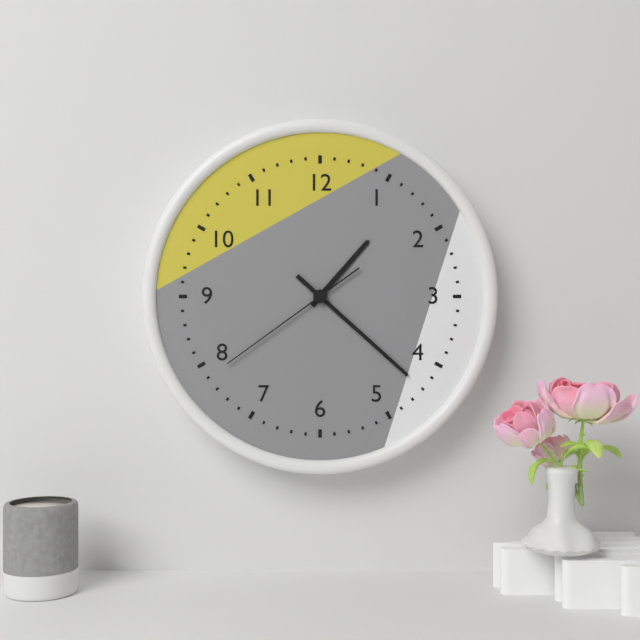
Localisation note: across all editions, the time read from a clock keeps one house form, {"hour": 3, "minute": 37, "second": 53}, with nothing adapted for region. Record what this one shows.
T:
{"hour": 1, "minute": 22, "second": 39}
